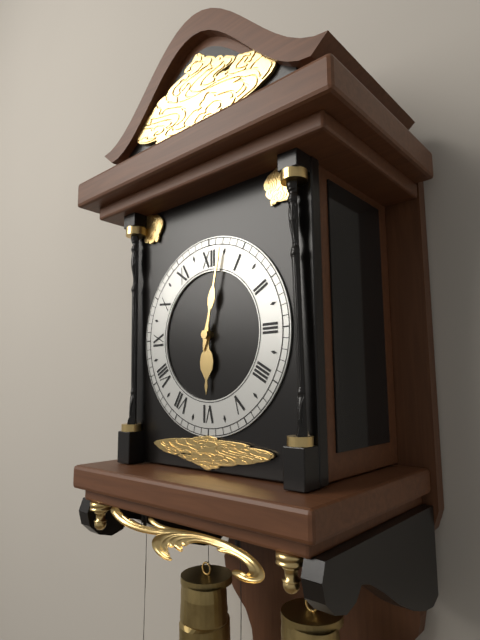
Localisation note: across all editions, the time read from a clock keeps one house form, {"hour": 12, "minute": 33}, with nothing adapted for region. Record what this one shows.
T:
{"hour": 6, "minute": 2}
